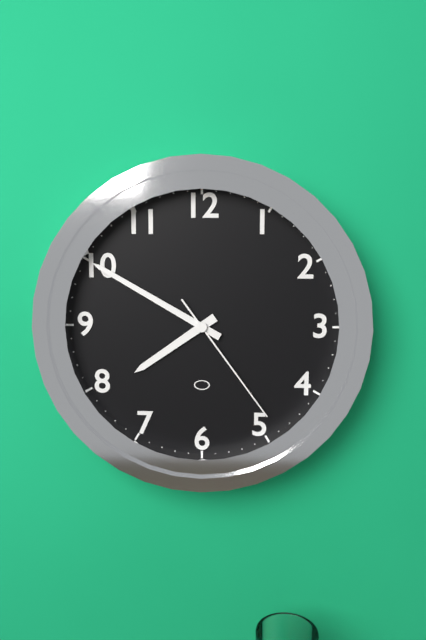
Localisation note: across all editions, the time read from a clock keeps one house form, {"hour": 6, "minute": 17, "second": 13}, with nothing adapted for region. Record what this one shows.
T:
{"hour": 7, "minute": 50, "second": 24}
